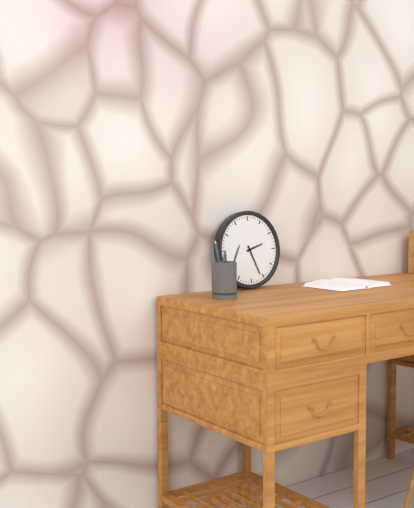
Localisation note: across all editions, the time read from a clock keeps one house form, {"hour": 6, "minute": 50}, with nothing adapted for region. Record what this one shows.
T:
{"hour": 2, "minute": 26}
